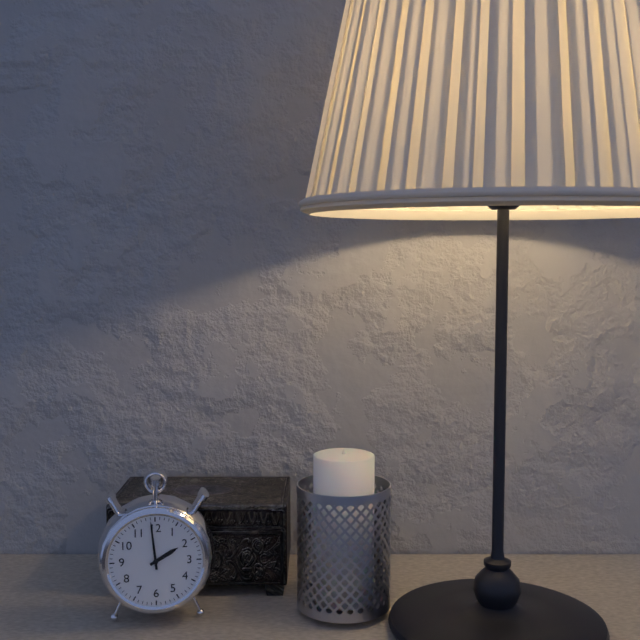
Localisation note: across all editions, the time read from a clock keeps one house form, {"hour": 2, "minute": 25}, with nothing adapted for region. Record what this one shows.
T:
{"hour": 1, "minute": 59}
